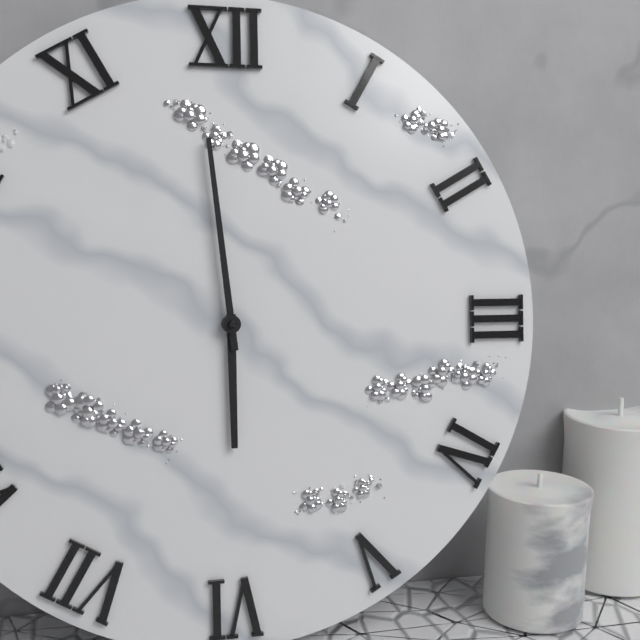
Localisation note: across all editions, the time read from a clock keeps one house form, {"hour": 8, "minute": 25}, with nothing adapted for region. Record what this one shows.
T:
{"hour": 5, "minute": 59}
